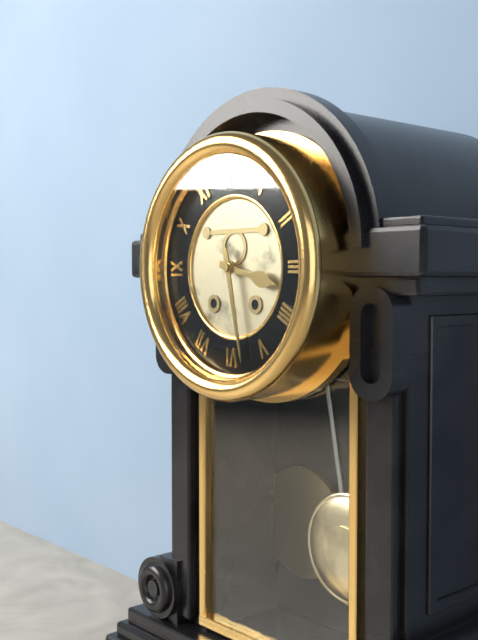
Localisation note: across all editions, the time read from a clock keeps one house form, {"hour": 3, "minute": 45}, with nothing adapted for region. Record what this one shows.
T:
{"hour": 3, "minute": 28}
